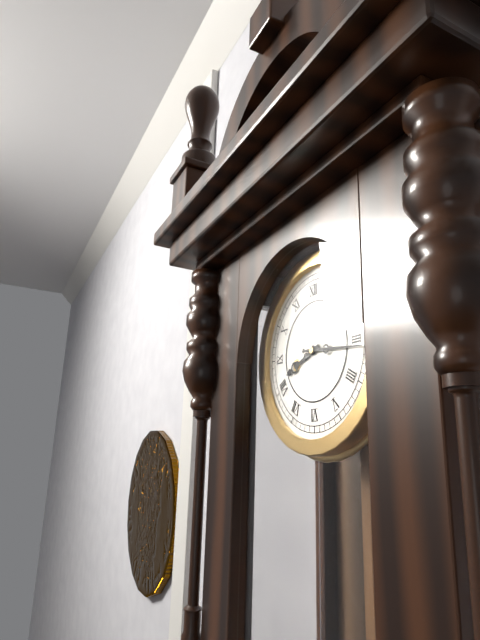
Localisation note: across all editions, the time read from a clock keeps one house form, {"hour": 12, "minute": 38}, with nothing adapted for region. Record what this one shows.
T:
{"hour": 8, "minute": 16}
